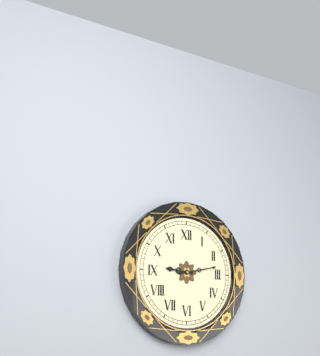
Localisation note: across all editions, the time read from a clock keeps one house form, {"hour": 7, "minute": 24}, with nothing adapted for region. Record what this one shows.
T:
{"hour": 9, "minute": 13}
